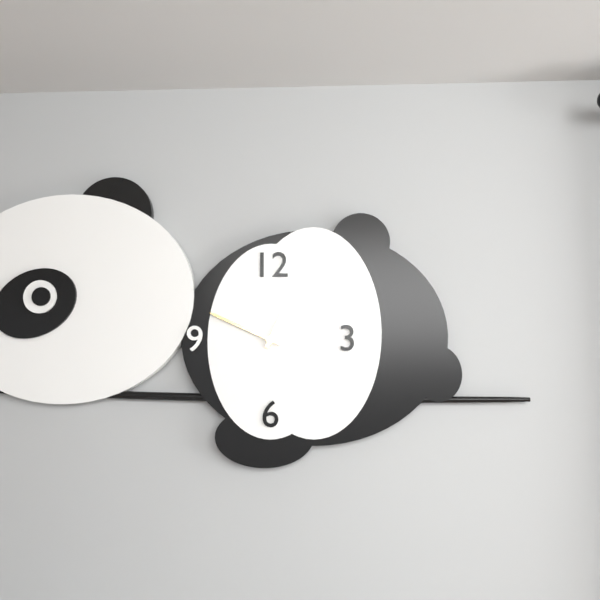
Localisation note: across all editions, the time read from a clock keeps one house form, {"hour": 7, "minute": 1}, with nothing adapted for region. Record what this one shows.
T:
{"hour": 12, "minute": 49}
